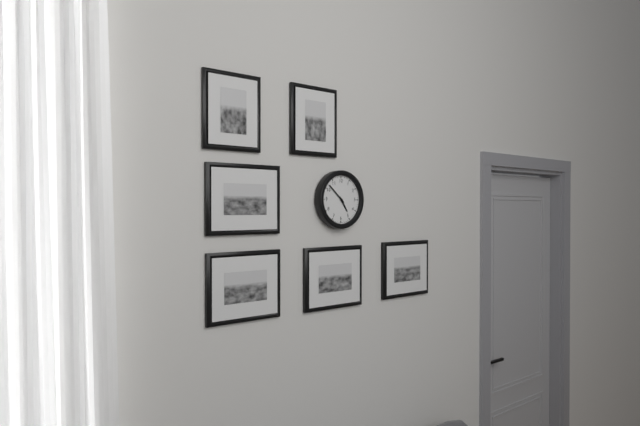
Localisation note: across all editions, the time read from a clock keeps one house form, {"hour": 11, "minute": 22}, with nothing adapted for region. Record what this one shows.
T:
{"hour": 4, "minute": 52}
